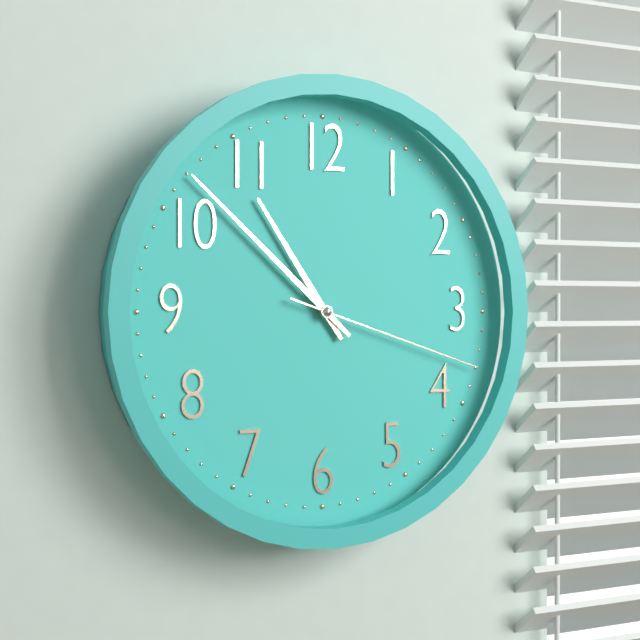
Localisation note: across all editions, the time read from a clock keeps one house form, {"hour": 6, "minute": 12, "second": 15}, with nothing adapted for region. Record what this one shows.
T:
{"hour": 10, "minute": 52, "second": 18}
